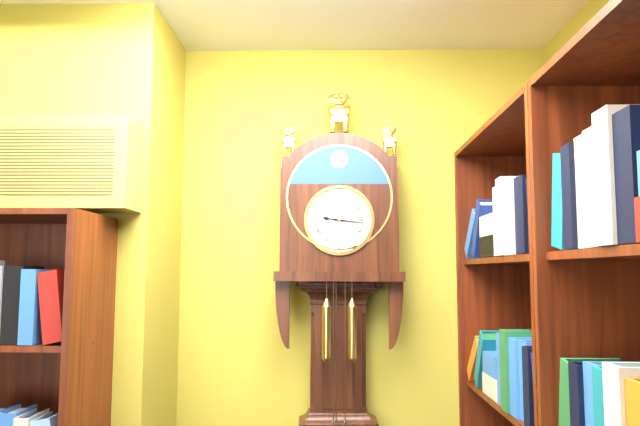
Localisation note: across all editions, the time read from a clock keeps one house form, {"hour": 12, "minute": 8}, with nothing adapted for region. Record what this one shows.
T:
{"hour": 9, "minute": 16}
